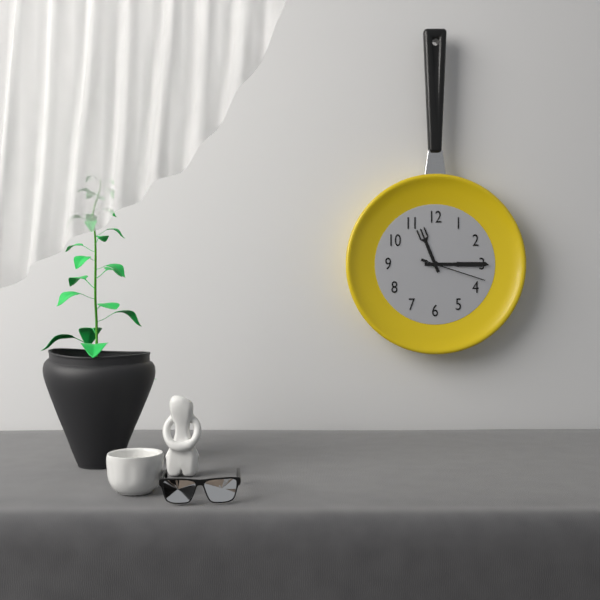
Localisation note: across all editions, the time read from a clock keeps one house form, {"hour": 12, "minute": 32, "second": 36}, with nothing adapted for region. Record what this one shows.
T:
{"hour": 11, "minute": 15, "second": 18}
